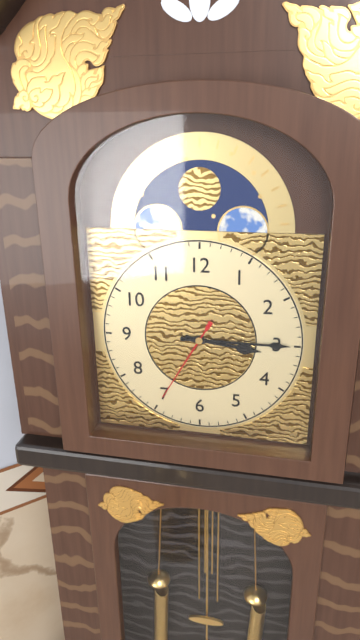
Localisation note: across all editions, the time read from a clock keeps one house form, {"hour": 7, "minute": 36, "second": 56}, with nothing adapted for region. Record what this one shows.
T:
{"hour": 3, "minute": 15, "second": 35}
